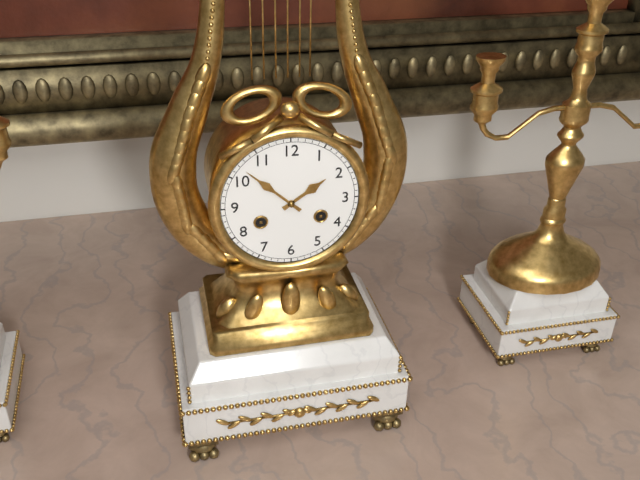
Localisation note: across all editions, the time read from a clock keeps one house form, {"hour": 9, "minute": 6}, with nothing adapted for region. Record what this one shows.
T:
{"hour": 1, "minute": 52}
